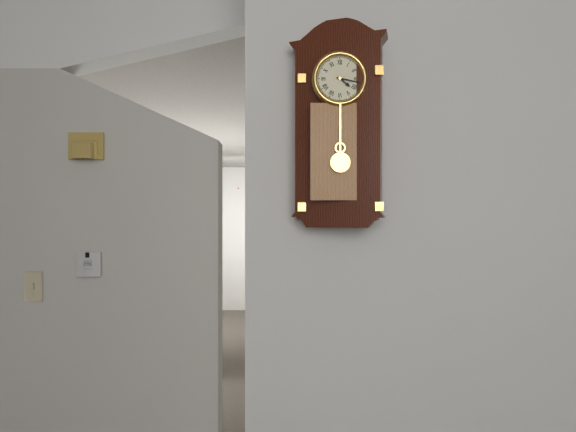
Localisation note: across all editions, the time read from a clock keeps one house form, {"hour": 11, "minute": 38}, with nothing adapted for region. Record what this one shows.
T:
{"hour": 4, "minute": 17}
